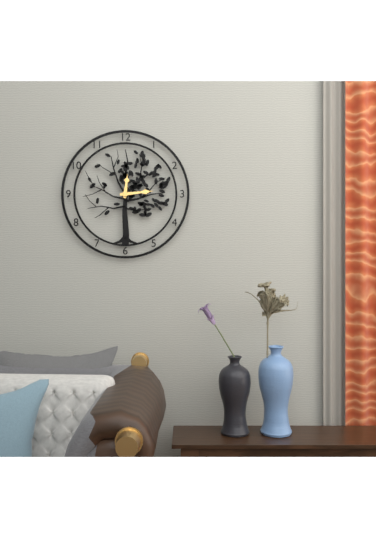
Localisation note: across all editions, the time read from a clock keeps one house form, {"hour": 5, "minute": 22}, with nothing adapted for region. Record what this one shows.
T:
{"hour": 12, "minute": 14}
